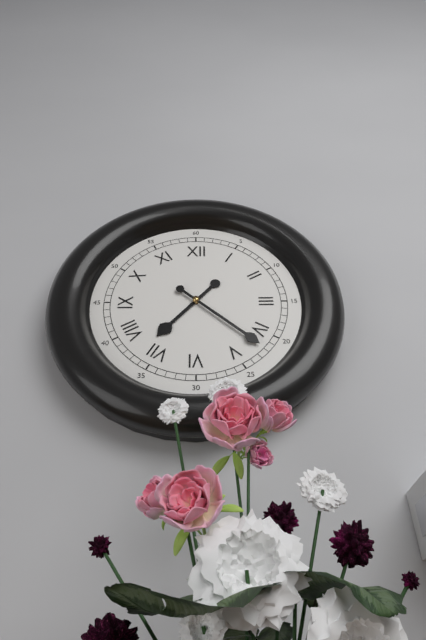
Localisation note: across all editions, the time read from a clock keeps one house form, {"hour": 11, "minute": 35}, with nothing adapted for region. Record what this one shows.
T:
{"hour": 7, "minute": 22}
